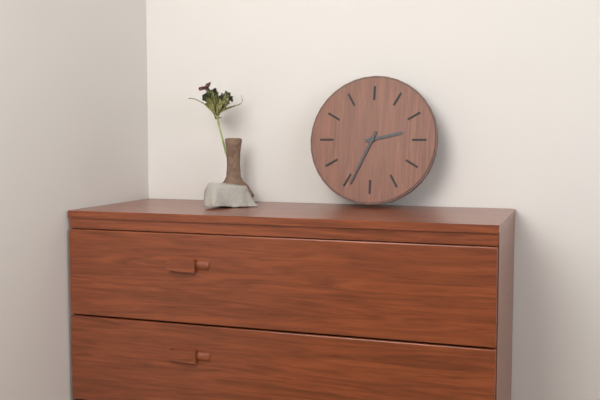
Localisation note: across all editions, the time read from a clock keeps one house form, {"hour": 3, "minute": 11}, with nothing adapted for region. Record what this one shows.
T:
{"hour": 2, "minute": 34}
